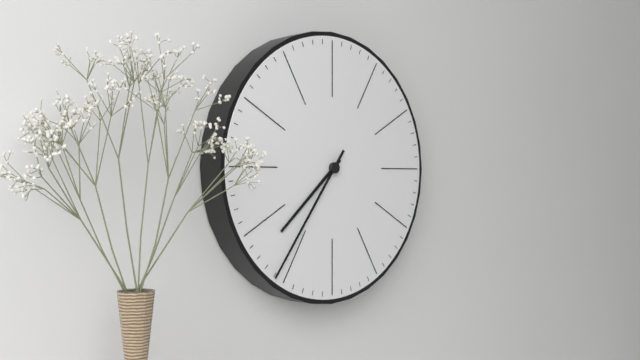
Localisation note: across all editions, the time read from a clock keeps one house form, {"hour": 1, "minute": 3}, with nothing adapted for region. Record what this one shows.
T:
{"hour": 7, "minute": 36}
